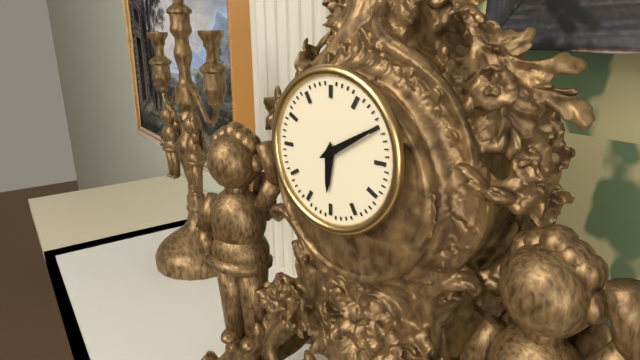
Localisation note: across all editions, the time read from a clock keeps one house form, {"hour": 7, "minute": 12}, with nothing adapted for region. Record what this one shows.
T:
{"hour": 6, "minute": 10}
